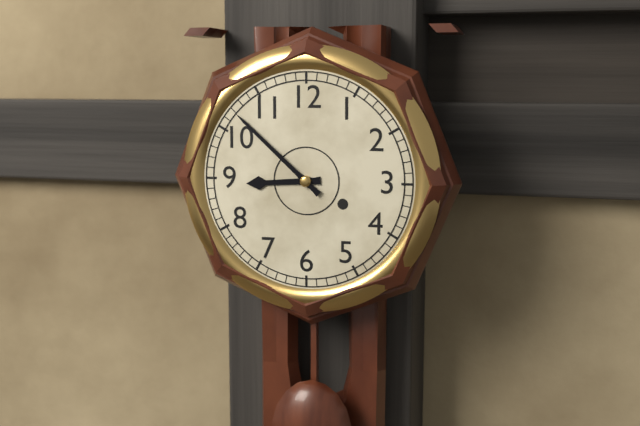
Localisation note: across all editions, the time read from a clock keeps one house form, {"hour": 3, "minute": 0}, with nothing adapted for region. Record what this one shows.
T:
{"hour": 8, "minute": 52}
